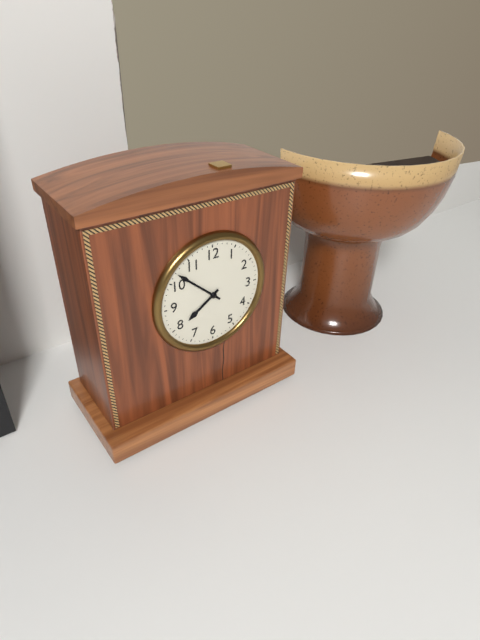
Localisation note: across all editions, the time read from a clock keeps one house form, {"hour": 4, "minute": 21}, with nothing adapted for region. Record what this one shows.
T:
{"hour": 7, "minute": 52}
